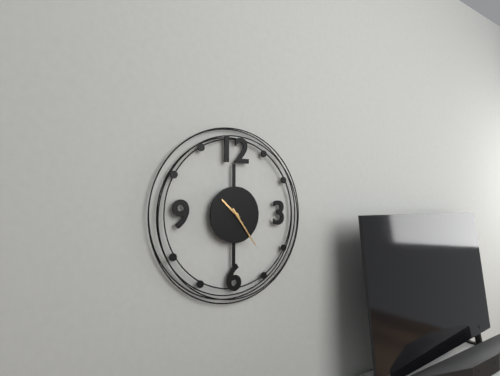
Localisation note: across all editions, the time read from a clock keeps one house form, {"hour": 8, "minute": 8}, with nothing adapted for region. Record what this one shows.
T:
{"hour": 10, "minute": 24}
